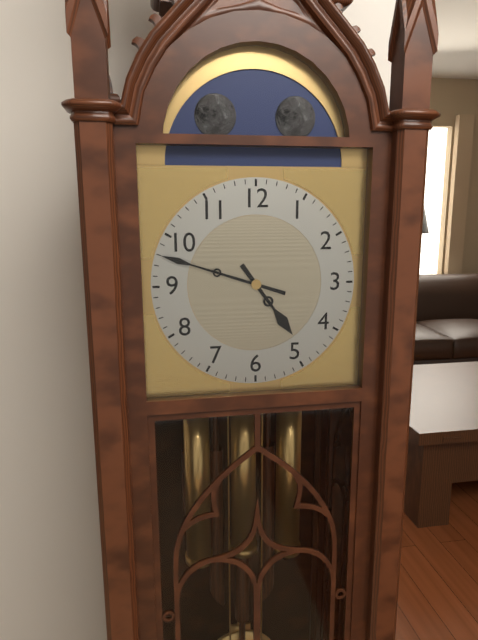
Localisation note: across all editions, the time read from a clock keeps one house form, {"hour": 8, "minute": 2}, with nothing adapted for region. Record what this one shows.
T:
{"hour": 4, "minute": 48}
